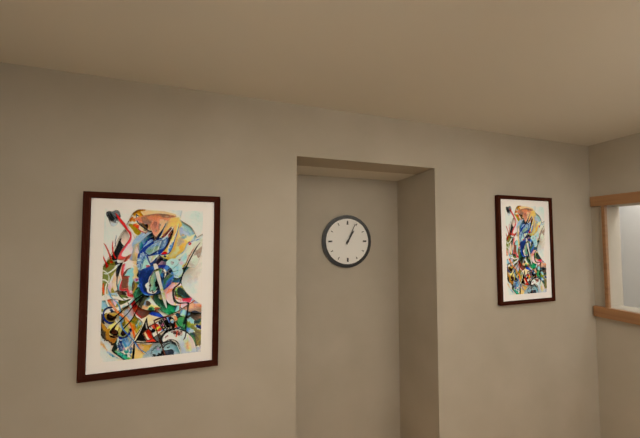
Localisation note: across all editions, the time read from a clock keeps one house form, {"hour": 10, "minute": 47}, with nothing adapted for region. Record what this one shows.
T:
{"hour": 1, "minute": 4}
